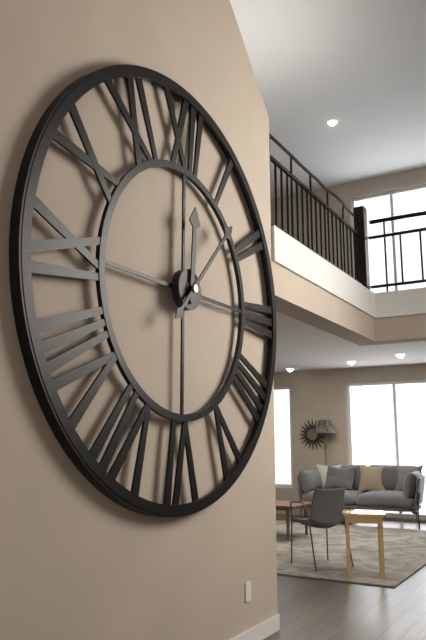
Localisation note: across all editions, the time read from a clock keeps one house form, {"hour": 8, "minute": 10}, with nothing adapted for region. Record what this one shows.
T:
{"hour": 12, "minute": 7}
